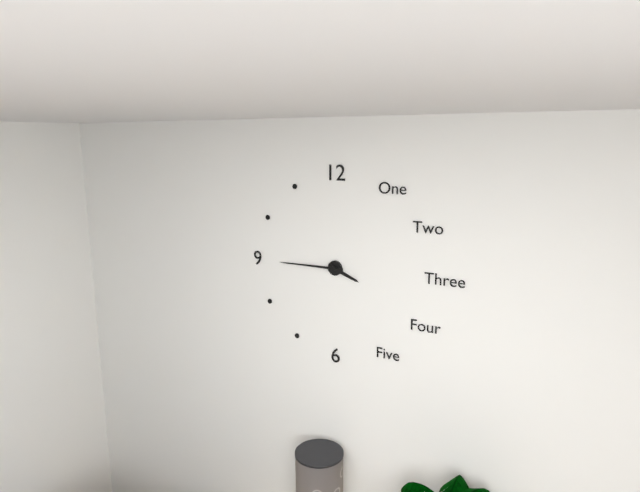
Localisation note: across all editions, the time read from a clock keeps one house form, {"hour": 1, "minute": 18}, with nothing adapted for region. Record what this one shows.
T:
{"hour": 3, "minute": 45}
